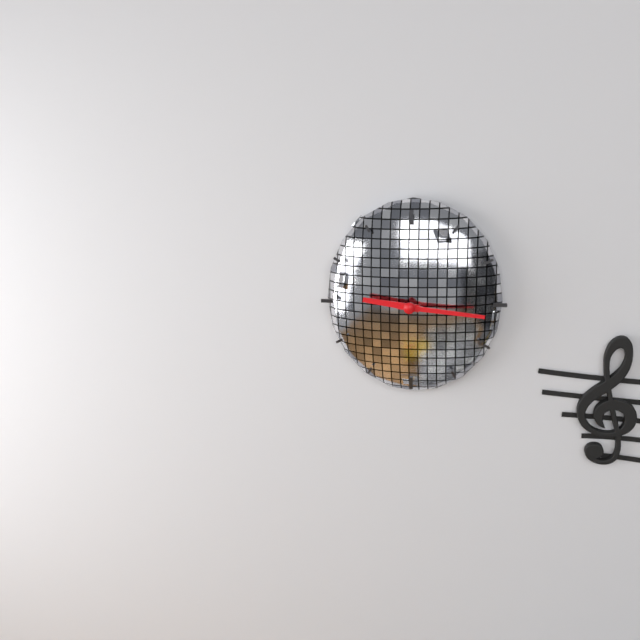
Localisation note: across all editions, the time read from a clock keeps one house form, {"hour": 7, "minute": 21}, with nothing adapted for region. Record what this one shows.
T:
{"hour": 9, "minute": 16}
